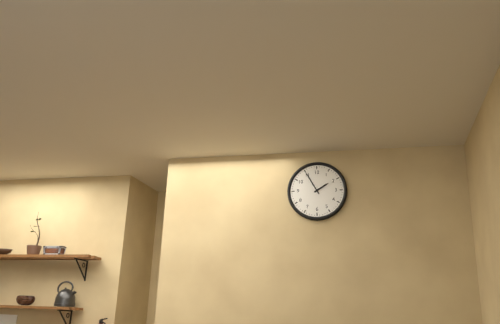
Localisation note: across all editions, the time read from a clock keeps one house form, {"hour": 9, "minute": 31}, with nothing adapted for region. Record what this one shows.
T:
{"hour": 1, "minute": 55}
